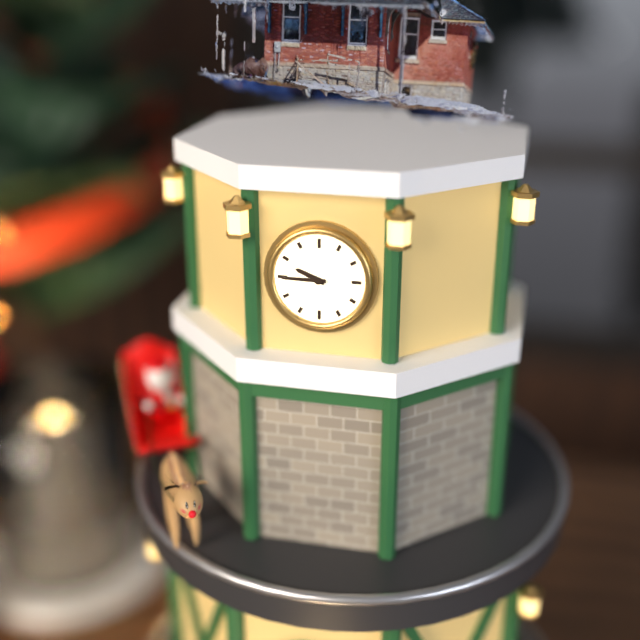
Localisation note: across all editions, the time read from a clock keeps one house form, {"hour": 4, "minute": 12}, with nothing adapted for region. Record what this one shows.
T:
{"hour": 9, "minute": 45}
